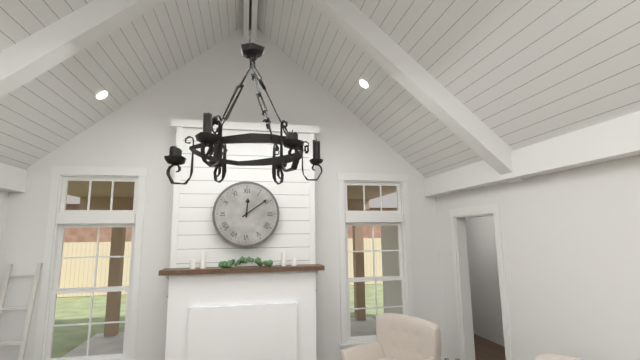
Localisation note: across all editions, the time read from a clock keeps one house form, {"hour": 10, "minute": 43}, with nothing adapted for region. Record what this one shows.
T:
{"hour": 12, "minute": 9}
